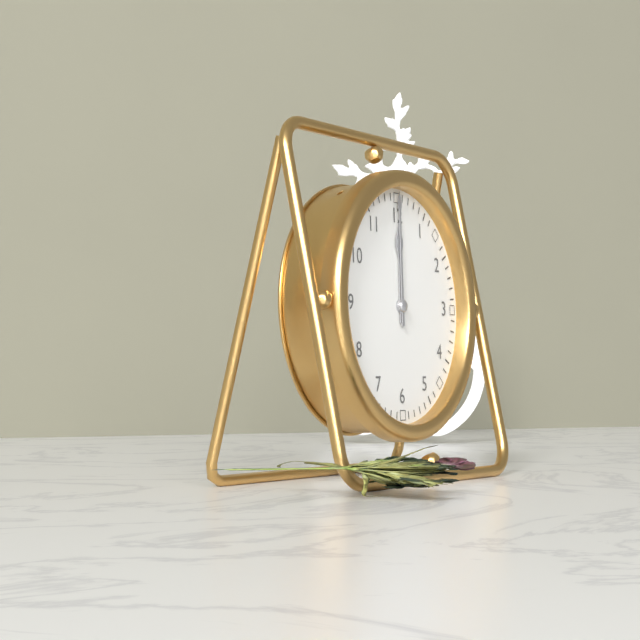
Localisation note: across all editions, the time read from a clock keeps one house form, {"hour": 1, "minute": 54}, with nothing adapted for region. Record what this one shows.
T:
{"hour": 12, "minute": 0}
